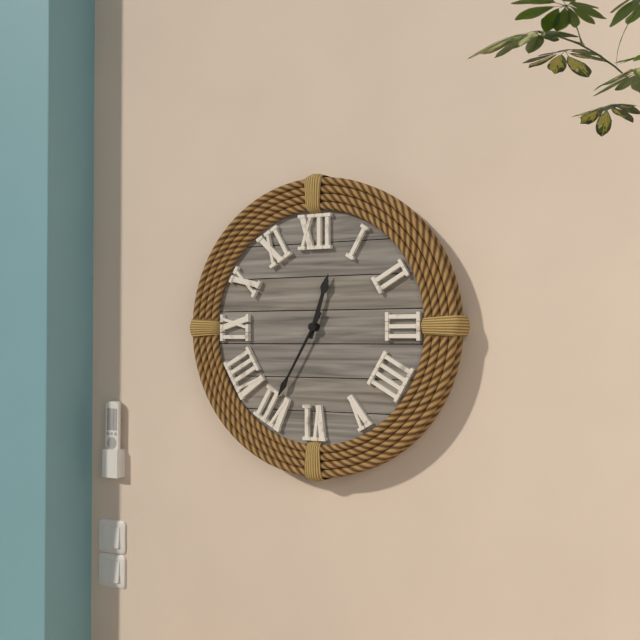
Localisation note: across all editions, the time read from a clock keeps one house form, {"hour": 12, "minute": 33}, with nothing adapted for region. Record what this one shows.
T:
{"hour": 12, "minute": 35}
